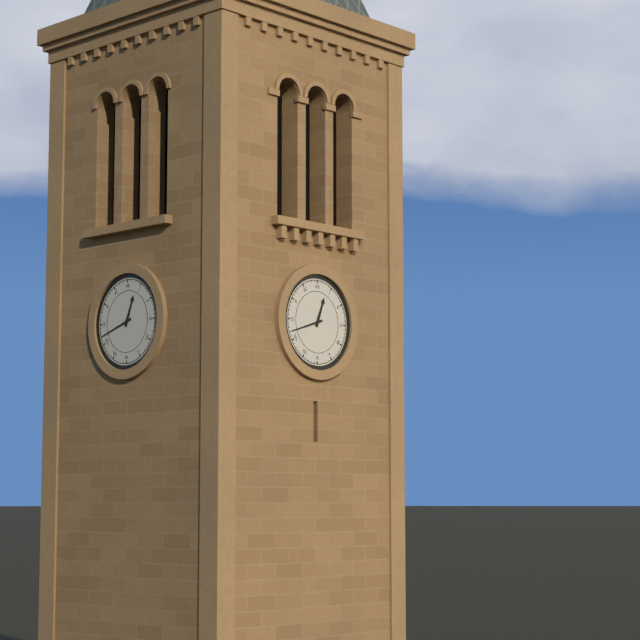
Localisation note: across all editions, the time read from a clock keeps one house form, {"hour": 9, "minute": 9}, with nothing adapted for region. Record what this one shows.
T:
{"hour": 12, "minute": 42}
